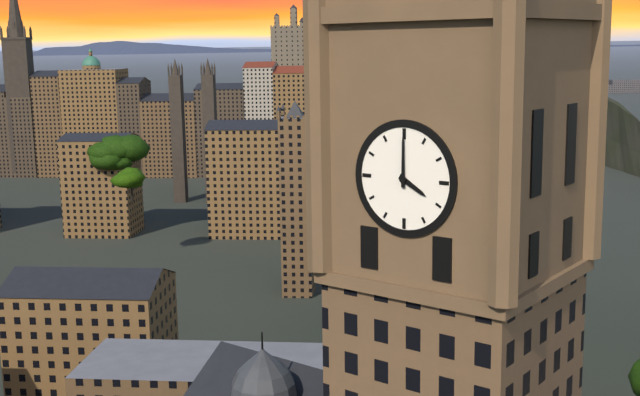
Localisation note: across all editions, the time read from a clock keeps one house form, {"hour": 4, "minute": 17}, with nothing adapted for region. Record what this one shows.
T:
{"hour": 4, "minute": 0}
